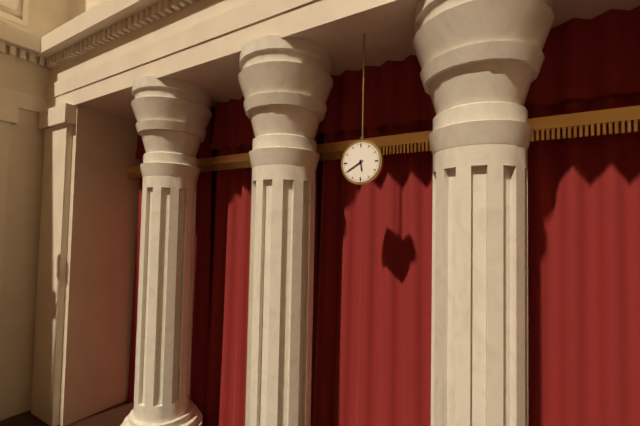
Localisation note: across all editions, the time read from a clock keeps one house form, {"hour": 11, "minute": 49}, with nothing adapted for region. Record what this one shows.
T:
{"hour": 5, "minute": 40}
